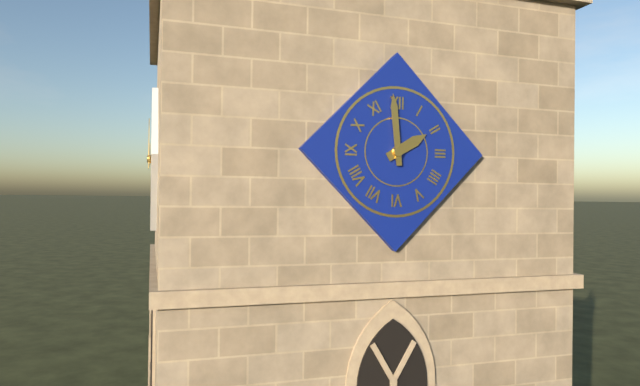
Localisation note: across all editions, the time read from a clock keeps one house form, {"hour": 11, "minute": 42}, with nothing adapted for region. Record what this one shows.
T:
{"hour": 1, "minute": 59}
